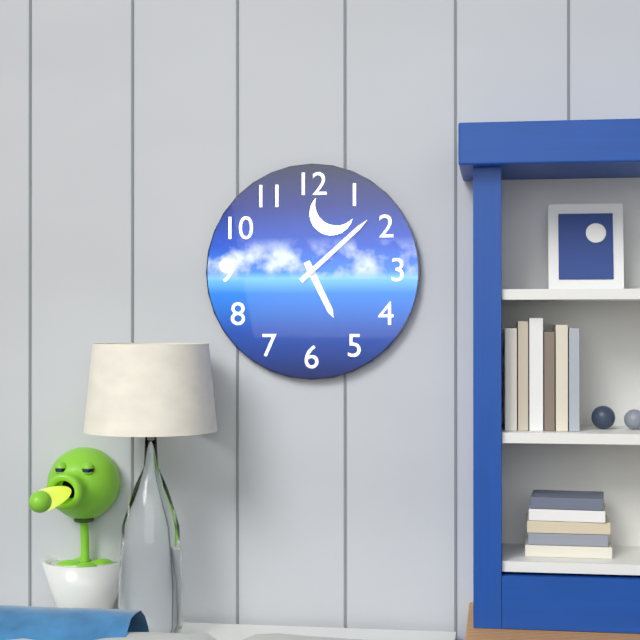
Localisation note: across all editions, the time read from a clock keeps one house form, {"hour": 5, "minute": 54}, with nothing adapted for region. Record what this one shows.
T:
{"hour": 5, "minute": 8}
